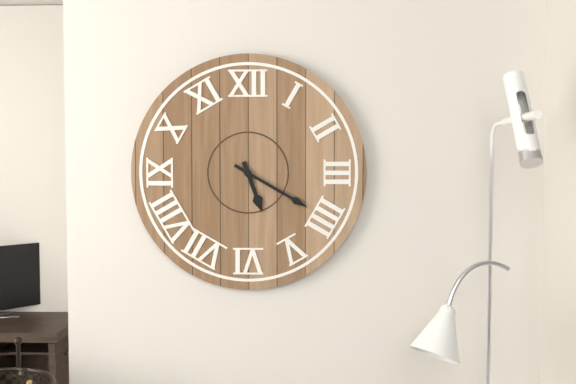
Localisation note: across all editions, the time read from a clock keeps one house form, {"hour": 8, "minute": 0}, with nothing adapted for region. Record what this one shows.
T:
{"hour": 5, "minute": 20}
